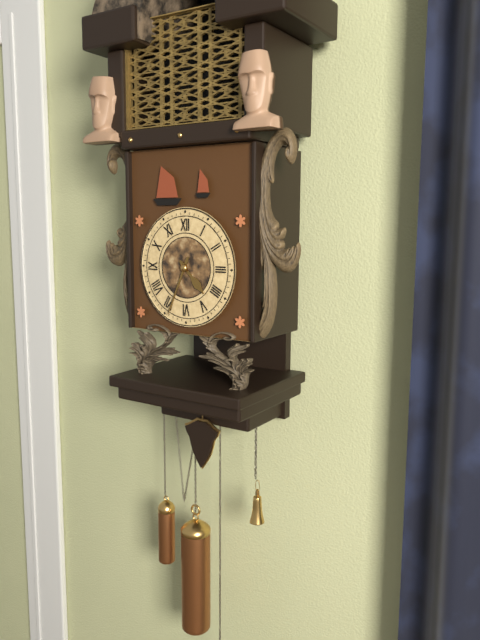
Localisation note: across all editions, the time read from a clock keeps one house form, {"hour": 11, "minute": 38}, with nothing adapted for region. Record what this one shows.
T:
{"hour": 4, "minute": 34}
